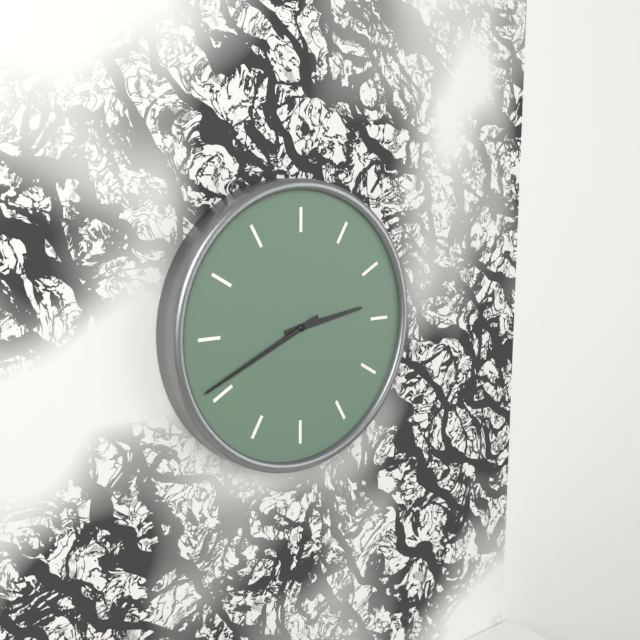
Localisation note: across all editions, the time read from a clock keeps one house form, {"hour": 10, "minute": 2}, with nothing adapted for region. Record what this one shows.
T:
{"hour": 2, "minute": 41}
